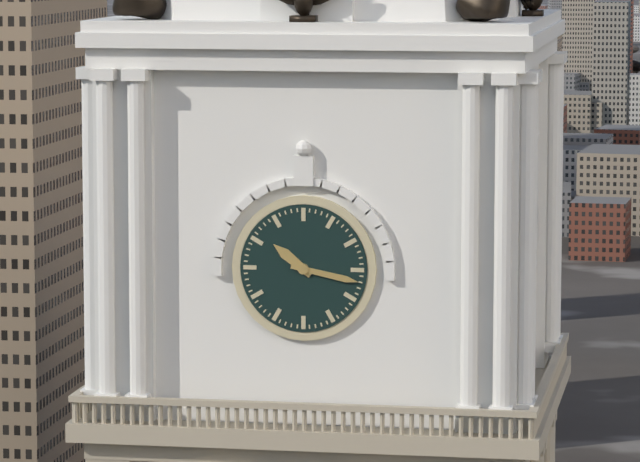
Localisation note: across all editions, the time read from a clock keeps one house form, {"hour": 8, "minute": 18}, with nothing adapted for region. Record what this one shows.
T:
{"hour": 10, "minute": 17}
